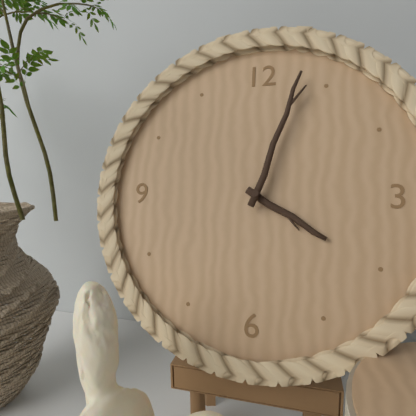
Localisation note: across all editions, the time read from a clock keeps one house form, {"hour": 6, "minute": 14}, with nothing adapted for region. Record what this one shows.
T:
{"hour": 4, "minute": 3}
